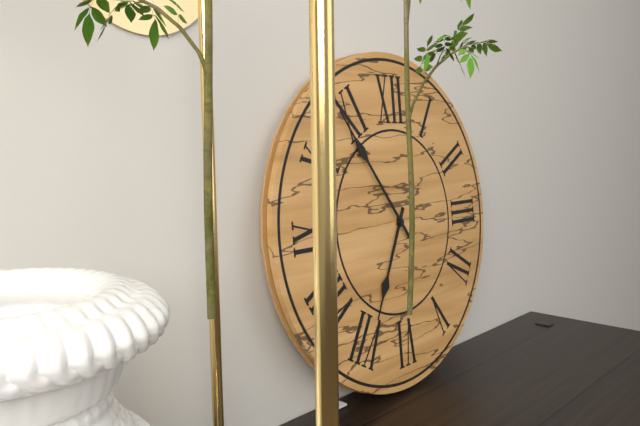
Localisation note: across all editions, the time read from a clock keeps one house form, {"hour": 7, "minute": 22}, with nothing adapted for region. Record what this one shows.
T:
{"hour": 6, "minute": 54}
